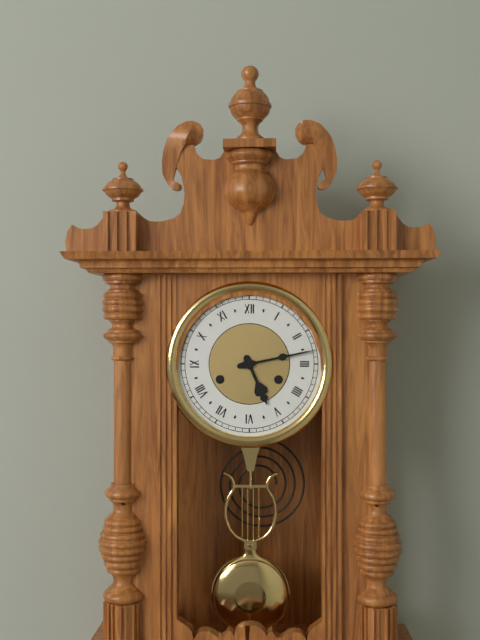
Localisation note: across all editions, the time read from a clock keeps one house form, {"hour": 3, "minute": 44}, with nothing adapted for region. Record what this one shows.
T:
{"hour": 5, "minute": 13}
